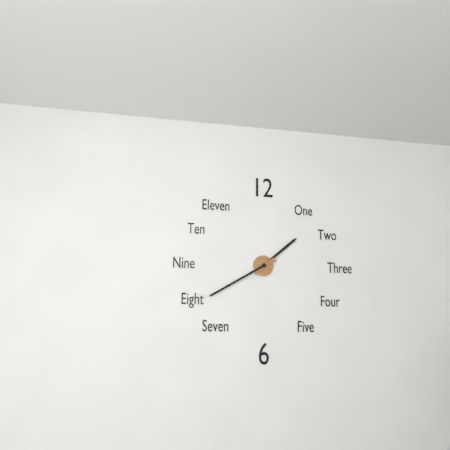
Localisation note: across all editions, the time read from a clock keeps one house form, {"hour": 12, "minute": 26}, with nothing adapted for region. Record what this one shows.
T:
{"hour": 1, "minute": 40}
